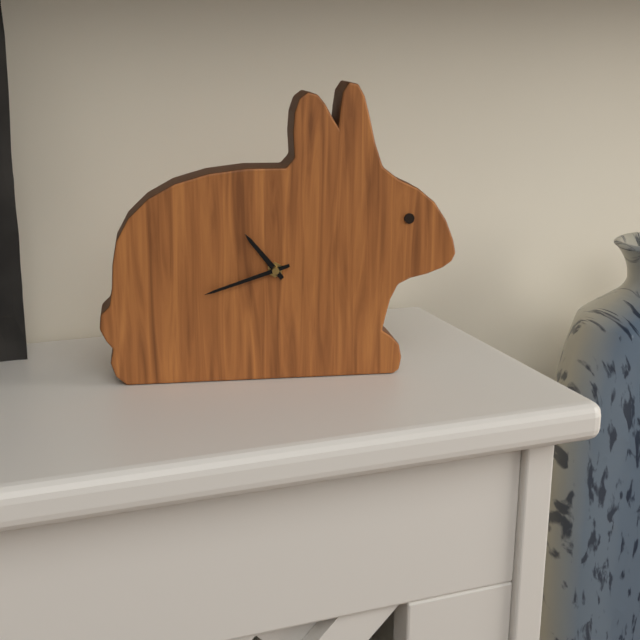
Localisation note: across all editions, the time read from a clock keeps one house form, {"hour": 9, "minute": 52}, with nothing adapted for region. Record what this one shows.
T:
{"hour": 10, "minute": 42}
